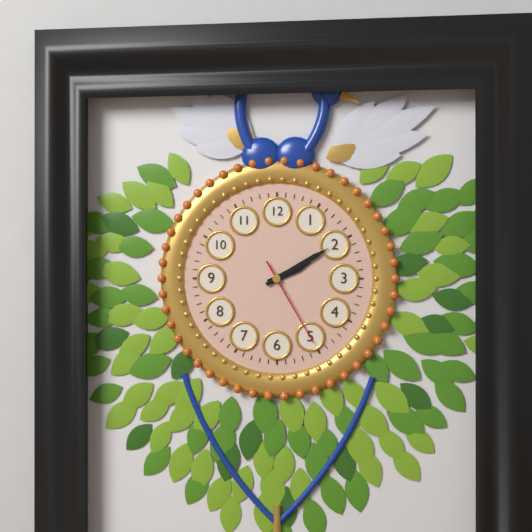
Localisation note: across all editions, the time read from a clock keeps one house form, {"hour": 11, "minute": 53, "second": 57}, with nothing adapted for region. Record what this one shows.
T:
{"hour": 2, "minute": 10, "second": 25}
